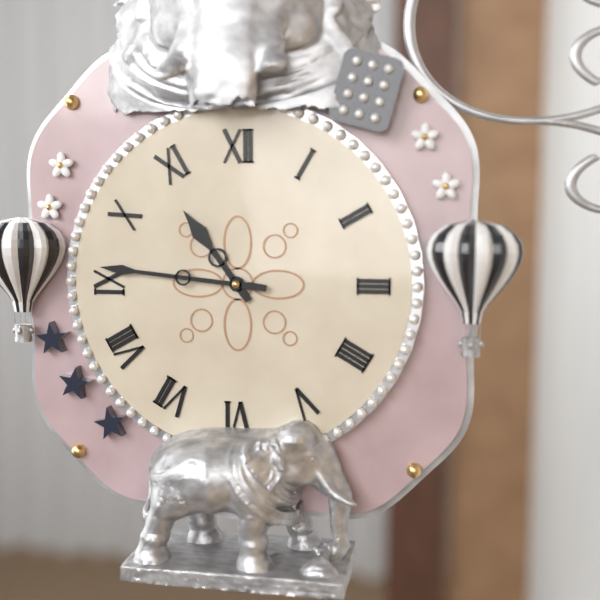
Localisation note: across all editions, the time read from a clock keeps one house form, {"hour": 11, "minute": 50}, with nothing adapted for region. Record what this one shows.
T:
{"hour": 10, "minute": 46}
